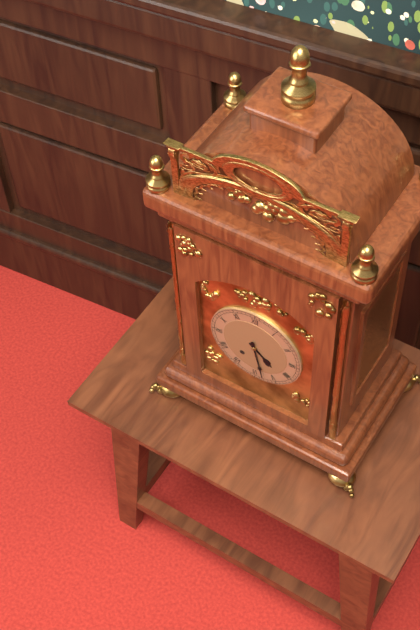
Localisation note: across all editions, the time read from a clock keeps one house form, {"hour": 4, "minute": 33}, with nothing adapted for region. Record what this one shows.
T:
{"hour": 4, "minute": 28}
